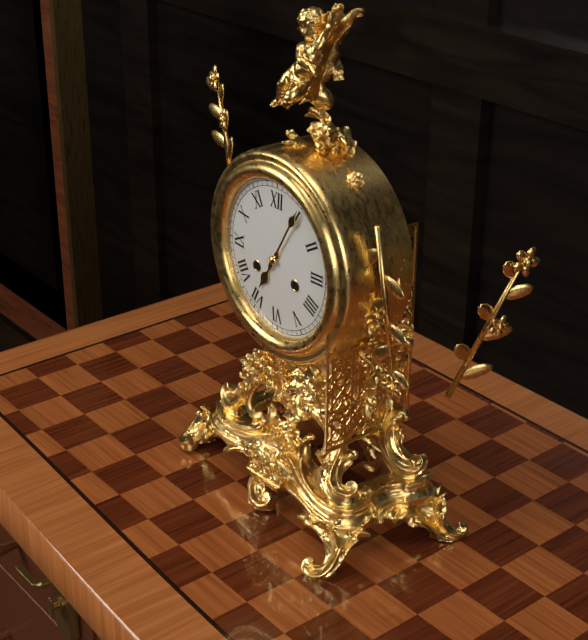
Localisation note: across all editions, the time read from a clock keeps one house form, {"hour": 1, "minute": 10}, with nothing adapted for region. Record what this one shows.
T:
{"hour": 7, "minute": 5}
